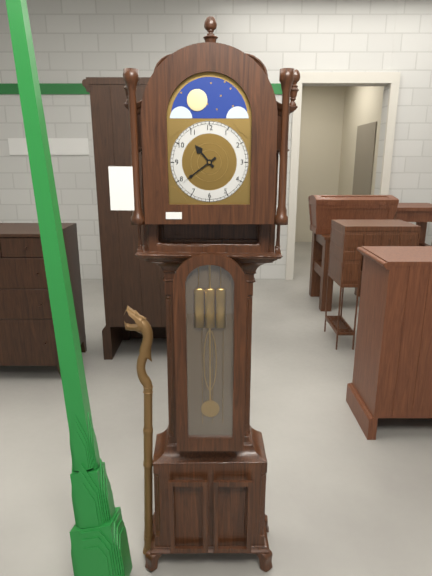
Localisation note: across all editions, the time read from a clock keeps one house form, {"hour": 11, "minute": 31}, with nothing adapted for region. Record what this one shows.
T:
{"hour": 10, "minute": 39}
